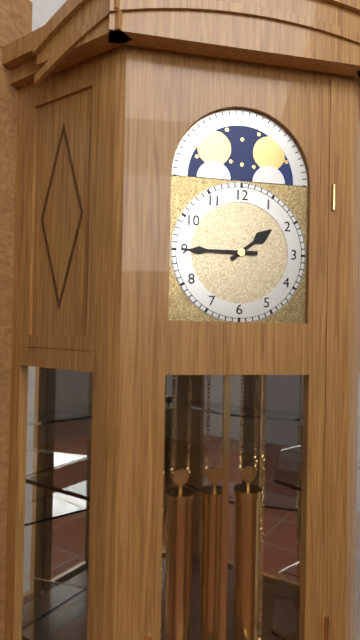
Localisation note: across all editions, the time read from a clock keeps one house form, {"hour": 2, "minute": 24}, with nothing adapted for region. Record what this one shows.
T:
{"hour": 1, "minute": 45}
